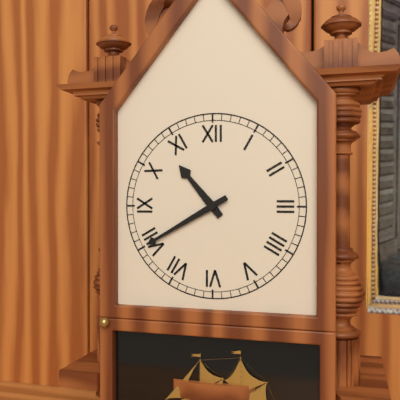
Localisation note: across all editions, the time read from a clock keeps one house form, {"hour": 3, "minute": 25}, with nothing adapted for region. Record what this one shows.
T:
{"hour": 10, "minute": 40}
